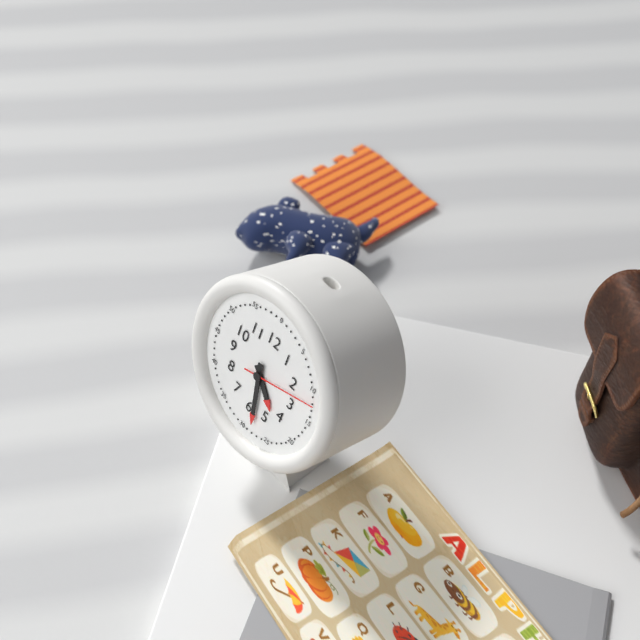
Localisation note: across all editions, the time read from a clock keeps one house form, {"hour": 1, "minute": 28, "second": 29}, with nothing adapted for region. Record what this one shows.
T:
{"hour": 4, "minute": 28, "second": 12}
